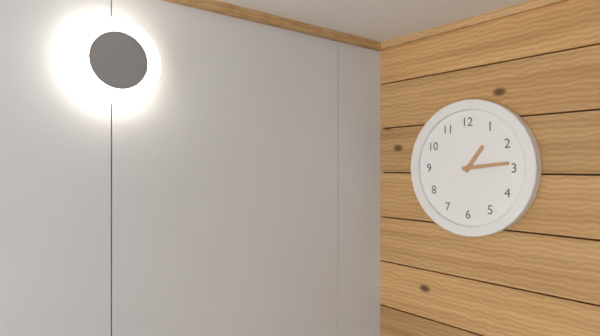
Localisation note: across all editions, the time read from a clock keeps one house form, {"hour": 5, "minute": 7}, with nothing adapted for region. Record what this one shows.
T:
{"hour": 1, "minute": 14}
